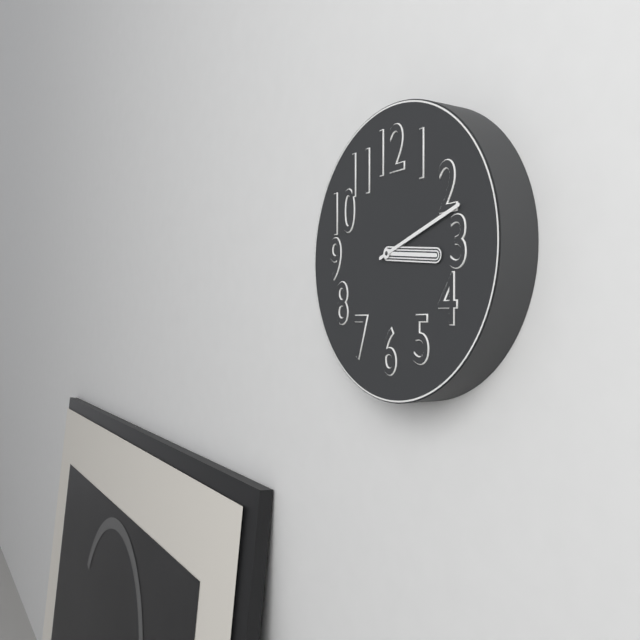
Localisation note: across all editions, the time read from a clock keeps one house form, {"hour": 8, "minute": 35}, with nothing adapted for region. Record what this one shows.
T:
{"hour": 3, "minute": 12}
